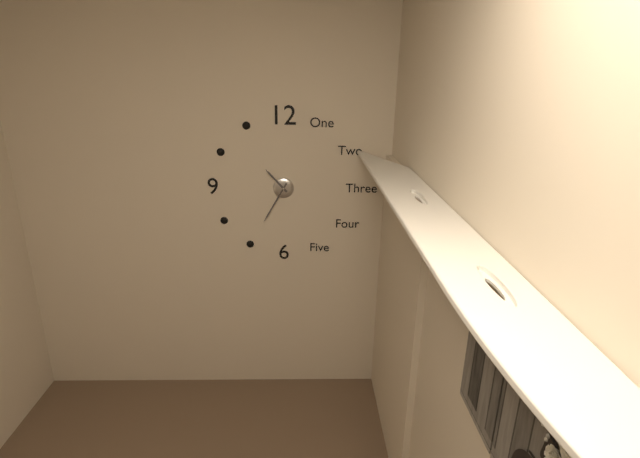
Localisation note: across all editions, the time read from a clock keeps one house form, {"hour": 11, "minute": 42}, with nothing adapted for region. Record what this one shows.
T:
{"hour": 10, "minute": 35}
